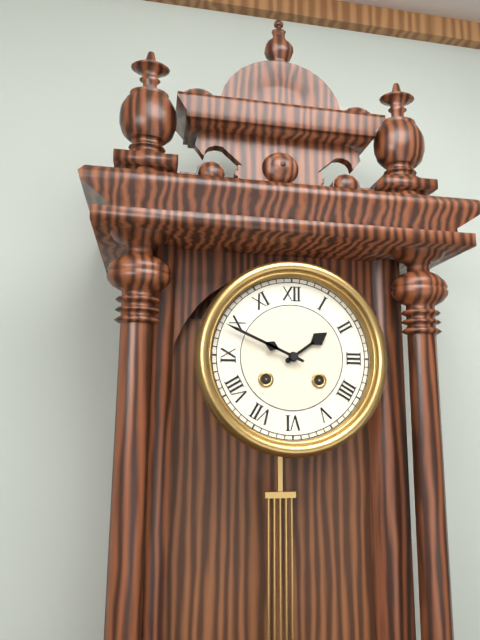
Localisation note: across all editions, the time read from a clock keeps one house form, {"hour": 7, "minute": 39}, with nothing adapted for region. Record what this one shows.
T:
{"hour": 1, "minute": 49}
